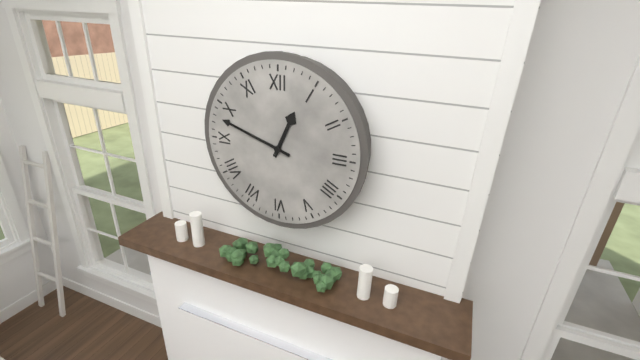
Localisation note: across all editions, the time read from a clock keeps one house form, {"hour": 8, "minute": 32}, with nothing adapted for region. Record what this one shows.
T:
{"hour": 12, "minute": 48}
